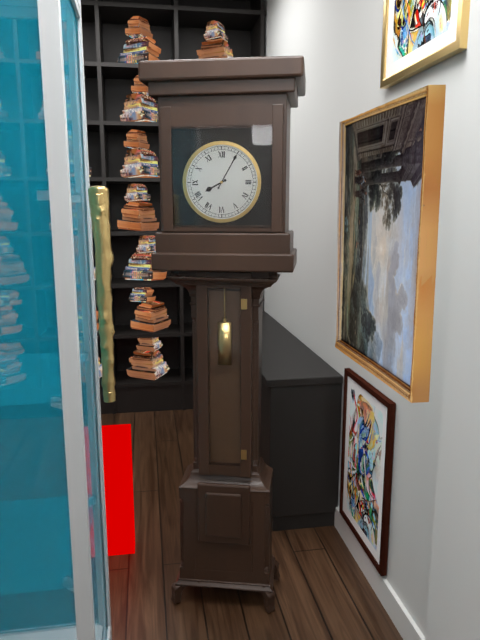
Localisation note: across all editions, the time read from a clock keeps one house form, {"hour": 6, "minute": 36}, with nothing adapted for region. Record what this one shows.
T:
{"hour": 8, "minute": 5}
